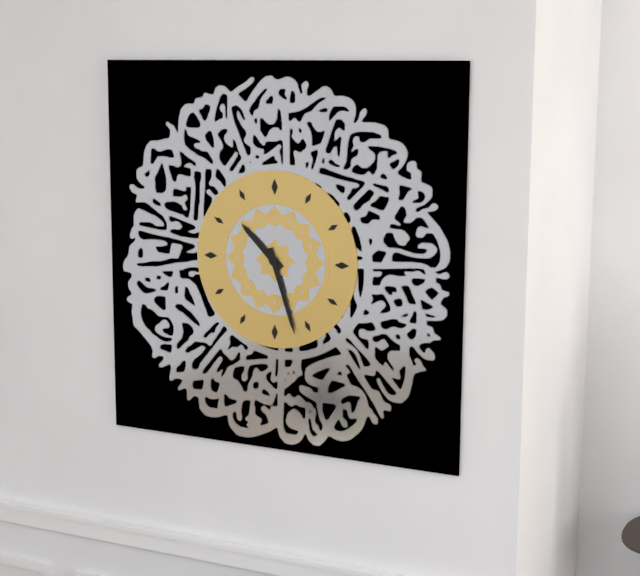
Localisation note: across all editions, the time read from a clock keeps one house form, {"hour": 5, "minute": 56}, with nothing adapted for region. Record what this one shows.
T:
{"hour": 10, "minute": 27}
